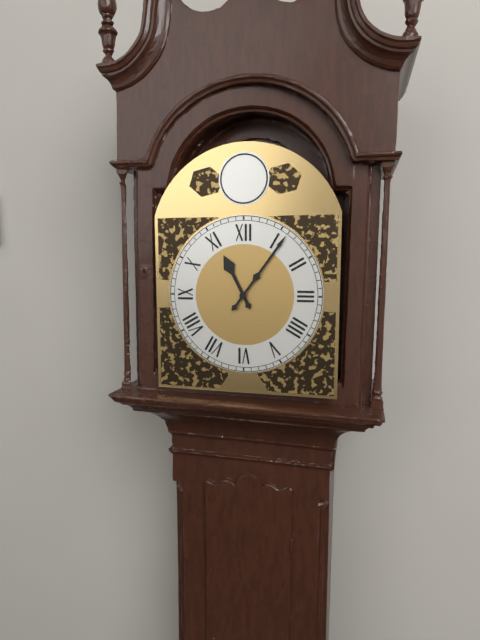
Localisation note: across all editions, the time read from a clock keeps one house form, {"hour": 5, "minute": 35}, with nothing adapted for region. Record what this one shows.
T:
{"hour": 11, "minute": 6}
